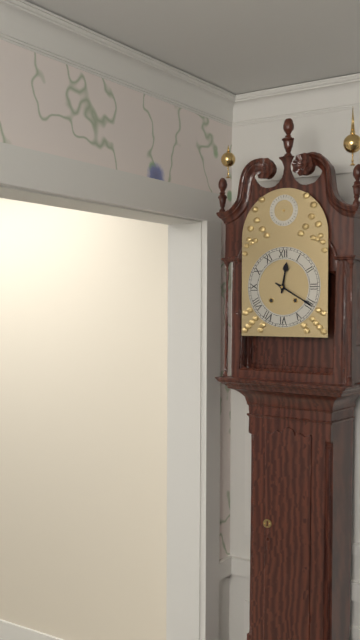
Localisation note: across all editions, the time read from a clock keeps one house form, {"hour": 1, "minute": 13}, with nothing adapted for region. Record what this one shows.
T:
{"hour": 12, "minute": 20}
